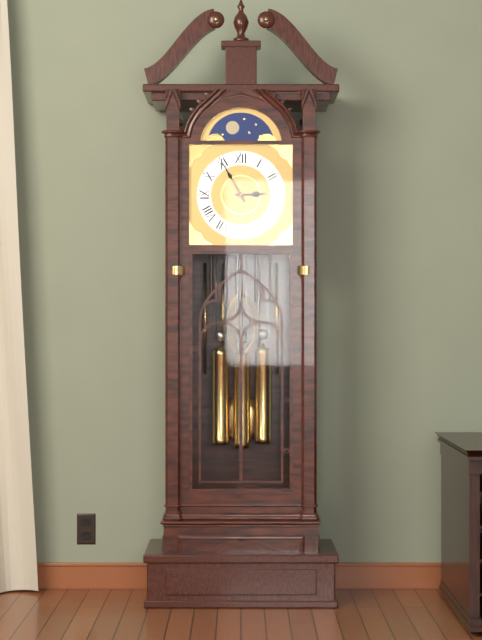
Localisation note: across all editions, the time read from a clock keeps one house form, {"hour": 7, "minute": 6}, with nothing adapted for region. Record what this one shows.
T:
{"hour": 2, "minute": 55}
